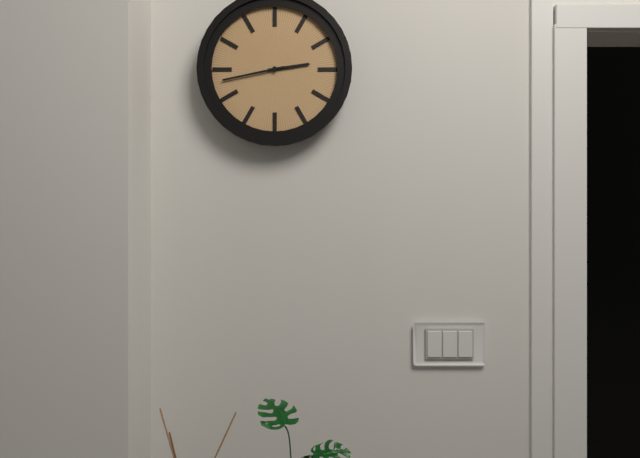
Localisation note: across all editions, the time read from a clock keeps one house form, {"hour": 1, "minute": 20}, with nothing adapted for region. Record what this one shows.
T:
{"hour": 2, "minute": 43}
